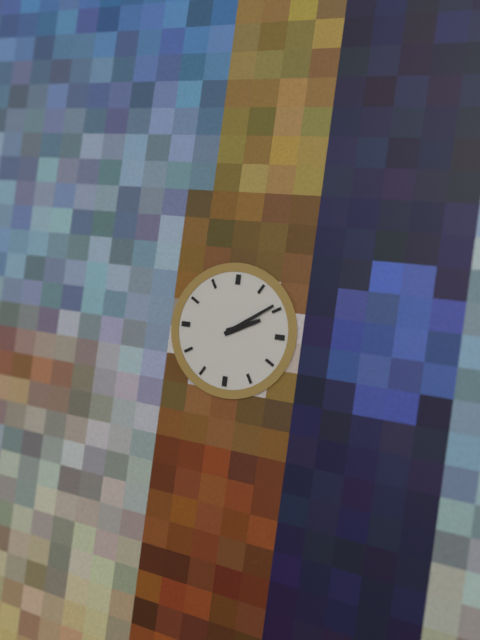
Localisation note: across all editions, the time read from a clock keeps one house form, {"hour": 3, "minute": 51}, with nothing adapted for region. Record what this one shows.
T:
{"hour": 2, "minute": 9}
